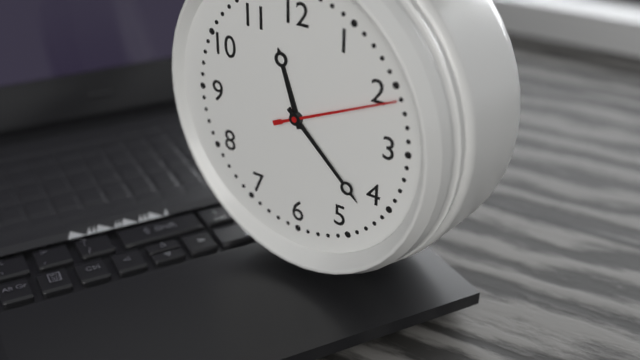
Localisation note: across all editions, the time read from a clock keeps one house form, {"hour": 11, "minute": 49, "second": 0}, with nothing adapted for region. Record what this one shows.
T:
{"hour": 11, "minute": 22, "second": 11}
